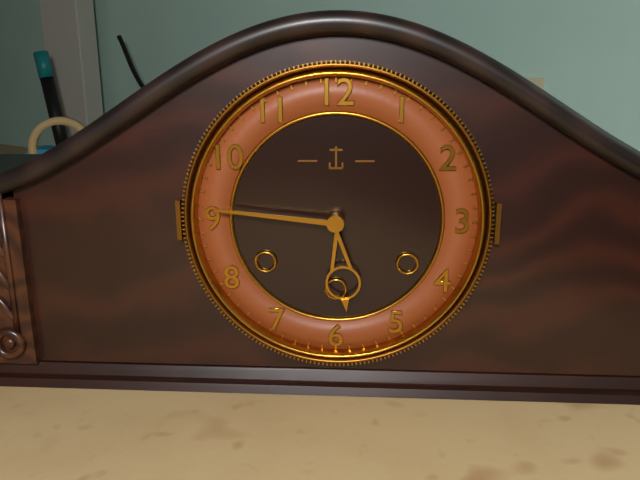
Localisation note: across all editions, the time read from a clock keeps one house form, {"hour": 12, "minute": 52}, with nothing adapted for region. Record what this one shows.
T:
{"hour": 5, "minute": 46}
